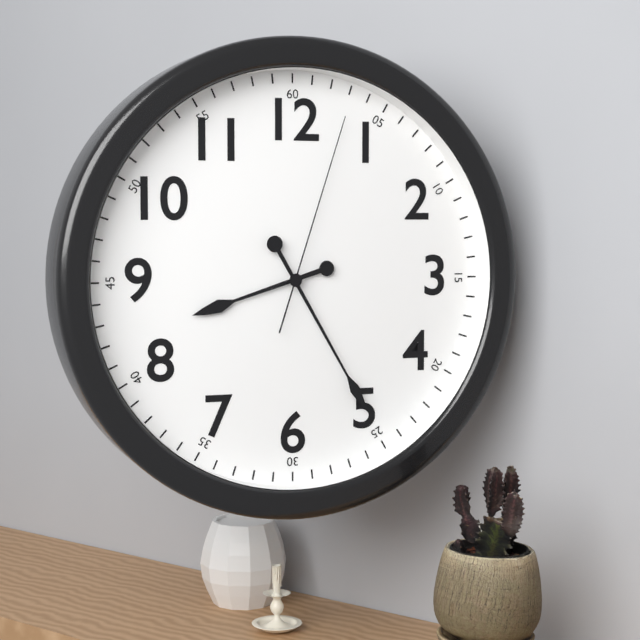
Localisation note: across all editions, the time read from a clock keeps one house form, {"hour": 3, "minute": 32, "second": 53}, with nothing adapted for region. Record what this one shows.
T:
{"hour": 8, "minute": 25, "second": 3}
